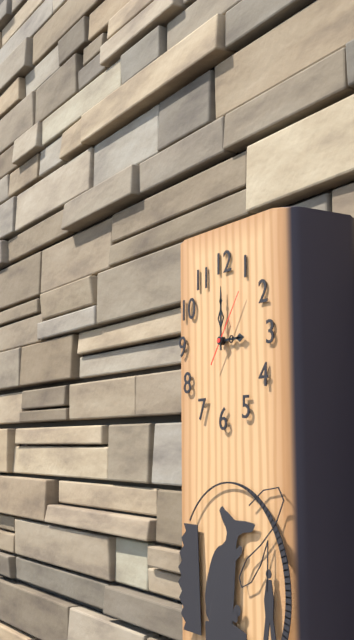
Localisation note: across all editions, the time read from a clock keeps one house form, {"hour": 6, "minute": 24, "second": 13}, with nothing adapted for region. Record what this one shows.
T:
{"hour": 3, "minute": 0, "second": 6}
